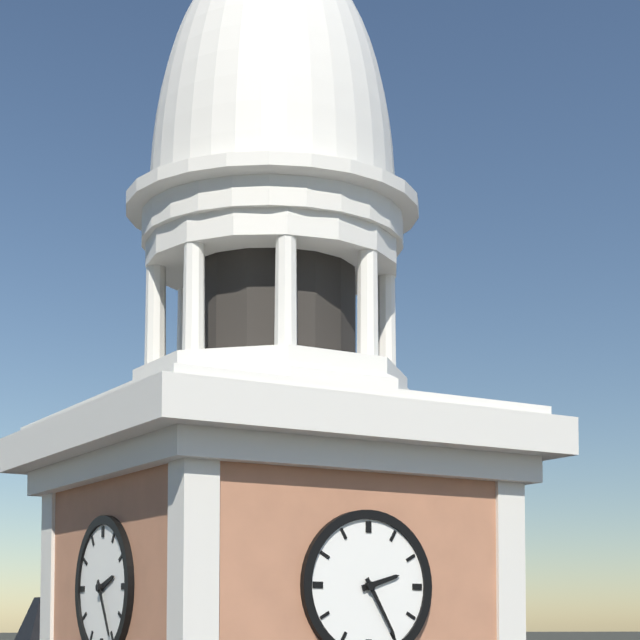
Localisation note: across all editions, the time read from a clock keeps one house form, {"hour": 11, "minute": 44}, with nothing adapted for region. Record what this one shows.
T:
{"hour": 2, "minute": 25}
